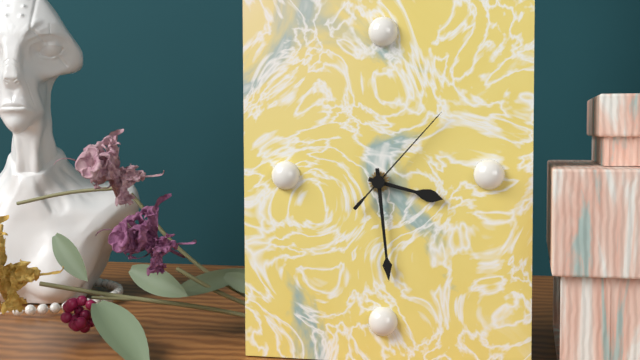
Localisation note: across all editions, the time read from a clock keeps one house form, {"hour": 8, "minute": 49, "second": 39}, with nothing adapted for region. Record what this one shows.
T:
{"hour": 3, "minute": 29, "second": 7}
